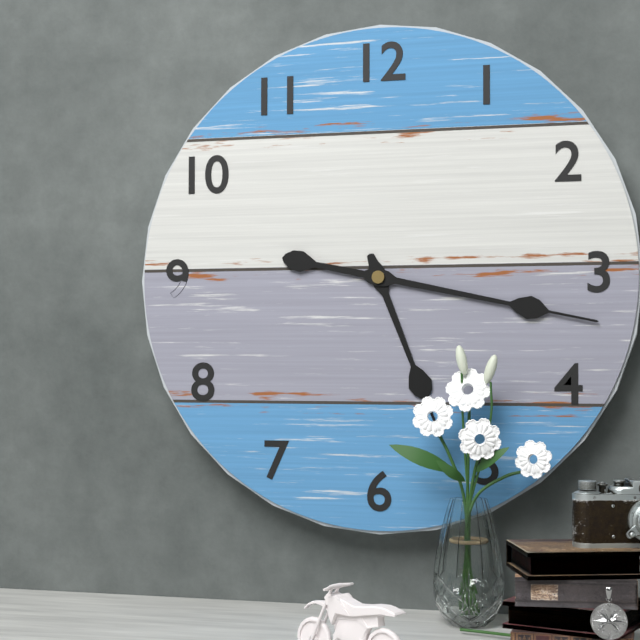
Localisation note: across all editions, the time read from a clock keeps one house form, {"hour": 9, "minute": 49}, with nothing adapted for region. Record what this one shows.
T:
{"hour": 5, "minute": 17}
